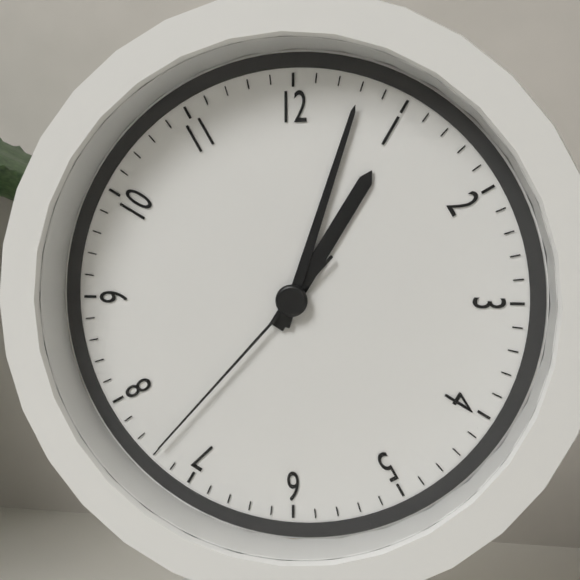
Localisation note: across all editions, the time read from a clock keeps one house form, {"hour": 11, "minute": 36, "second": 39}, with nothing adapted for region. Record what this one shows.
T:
{"hour": 1, "minute": 3, "second": 37}
